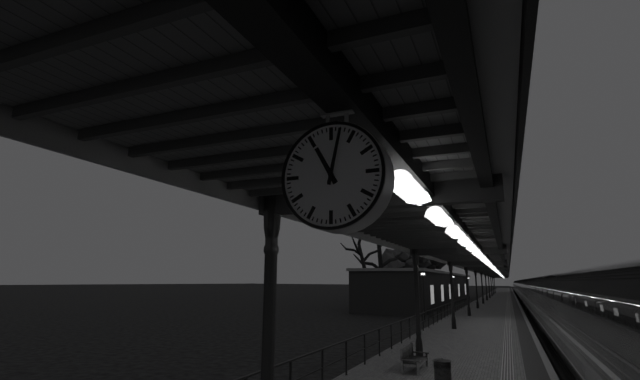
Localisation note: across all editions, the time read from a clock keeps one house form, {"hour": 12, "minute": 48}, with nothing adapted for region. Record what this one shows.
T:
{"hour": 11, "minute": 2}
